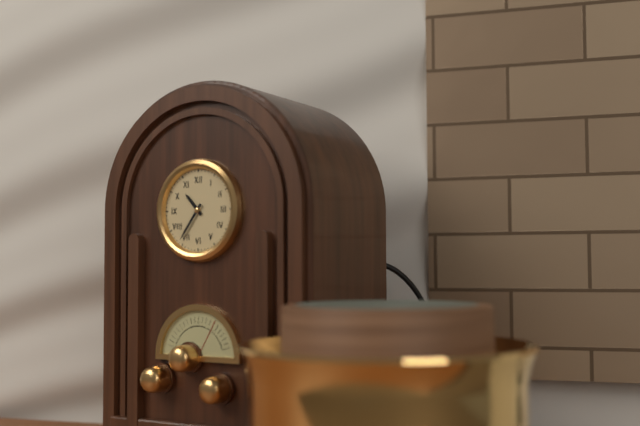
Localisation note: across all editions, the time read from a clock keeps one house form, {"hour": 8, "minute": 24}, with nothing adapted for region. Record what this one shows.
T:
{"hour": 10, "minute": 36}
